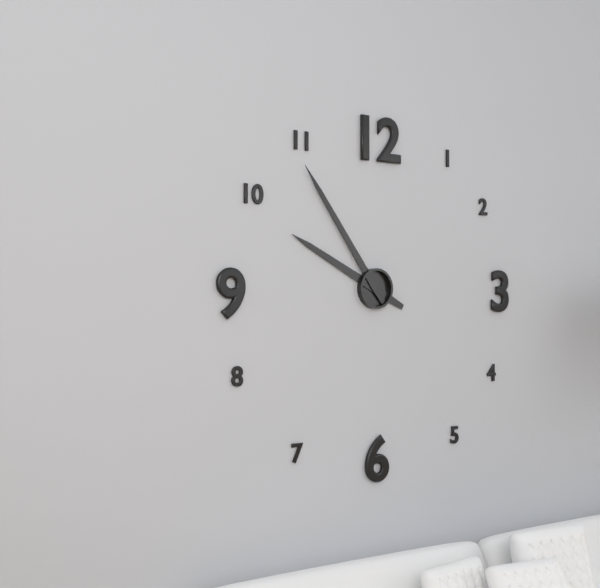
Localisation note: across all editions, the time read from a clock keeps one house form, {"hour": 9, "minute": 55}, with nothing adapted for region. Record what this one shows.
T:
{"hour": 9, "minute": 54}
